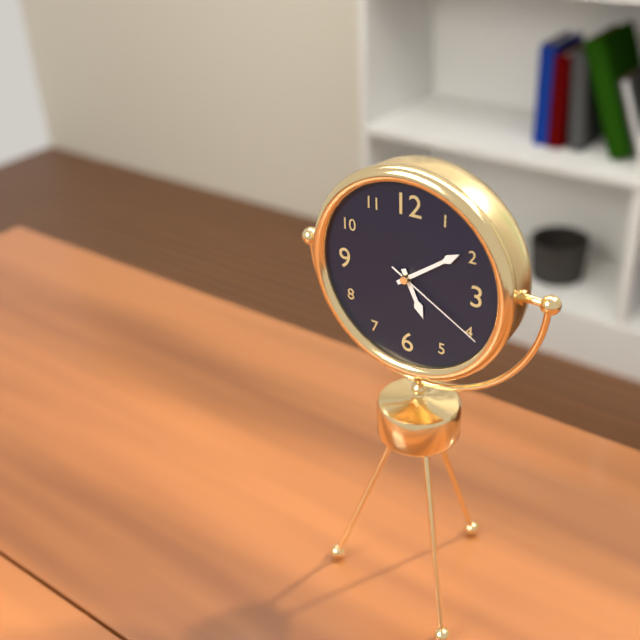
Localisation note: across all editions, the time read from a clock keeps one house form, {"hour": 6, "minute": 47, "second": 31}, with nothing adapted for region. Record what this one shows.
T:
{"hour": 5, "minute": 9, "second": 20}
